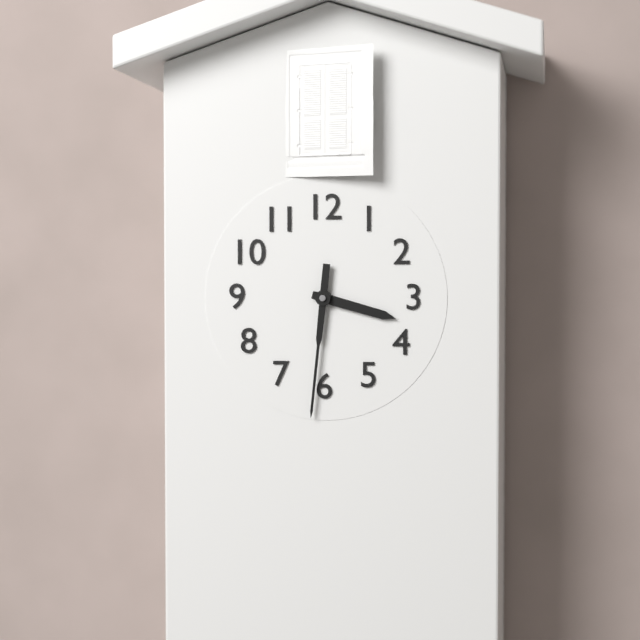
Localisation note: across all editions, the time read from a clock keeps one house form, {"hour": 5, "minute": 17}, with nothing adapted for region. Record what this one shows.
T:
{"hour": 3, "minute": 31}
